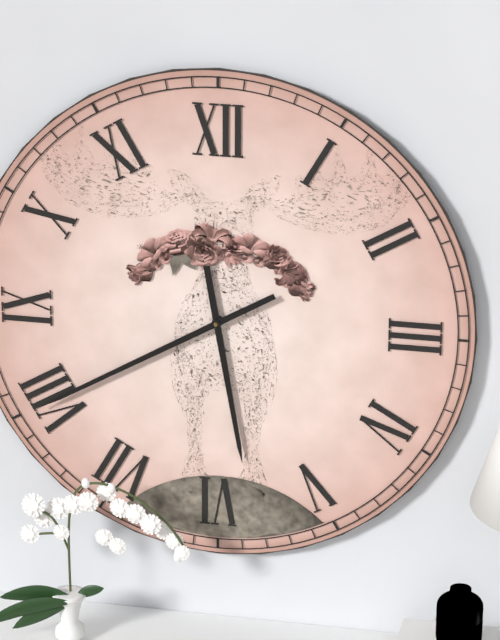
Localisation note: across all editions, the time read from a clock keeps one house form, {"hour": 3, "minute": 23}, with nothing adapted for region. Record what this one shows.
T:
{"hour": 5, "minute": 40}
